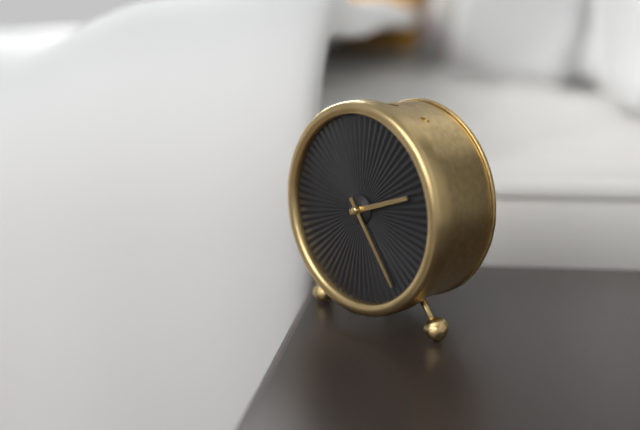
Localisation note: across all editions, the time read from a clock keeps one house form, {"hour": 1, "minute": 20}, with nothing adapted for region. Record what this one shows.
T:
{"hour": 2, "minute": 24}
